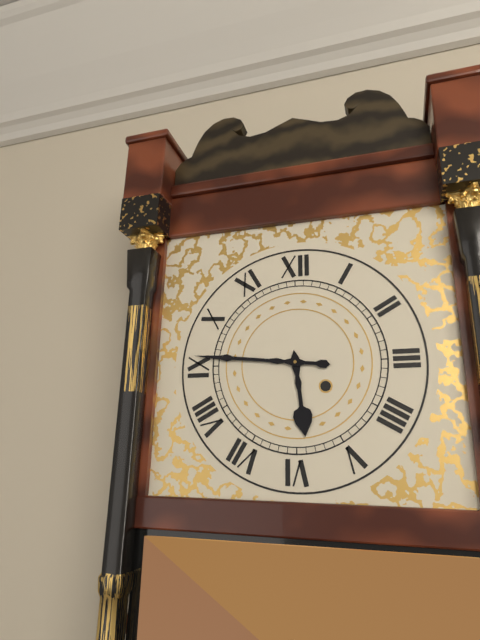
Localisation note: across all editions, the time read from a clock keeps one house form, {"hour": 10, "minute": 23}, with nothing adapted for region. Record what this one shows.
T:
{"hour": 5, "minute": 46}
